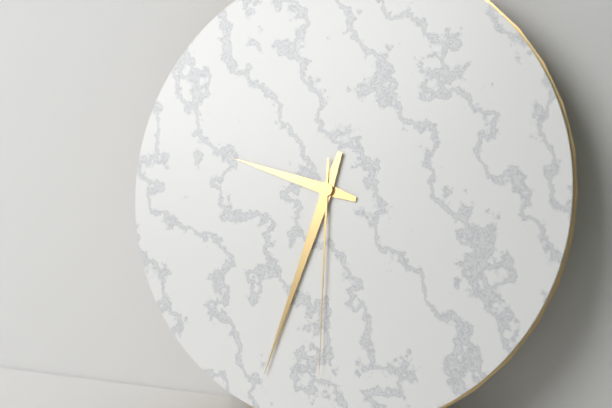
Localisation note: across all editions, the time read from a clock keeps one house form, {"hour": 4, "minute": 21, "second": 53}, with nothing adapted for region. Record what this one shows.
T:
{"hour": 9, "minute": 33, "second": 30}
